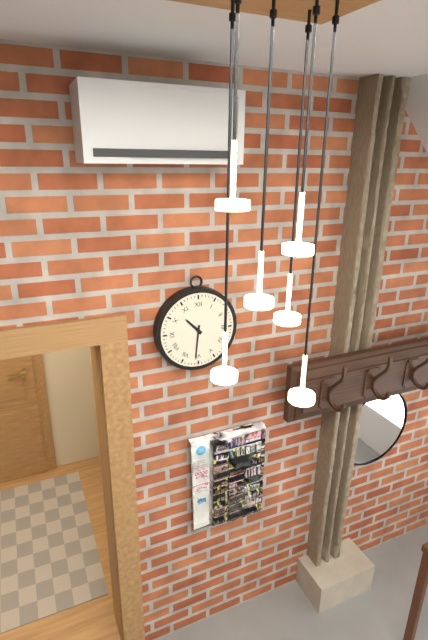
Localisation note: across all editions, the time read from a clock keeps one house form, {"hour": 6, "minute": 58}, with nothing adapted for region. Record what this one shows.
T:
{"hour": 10, "minute": 31}
